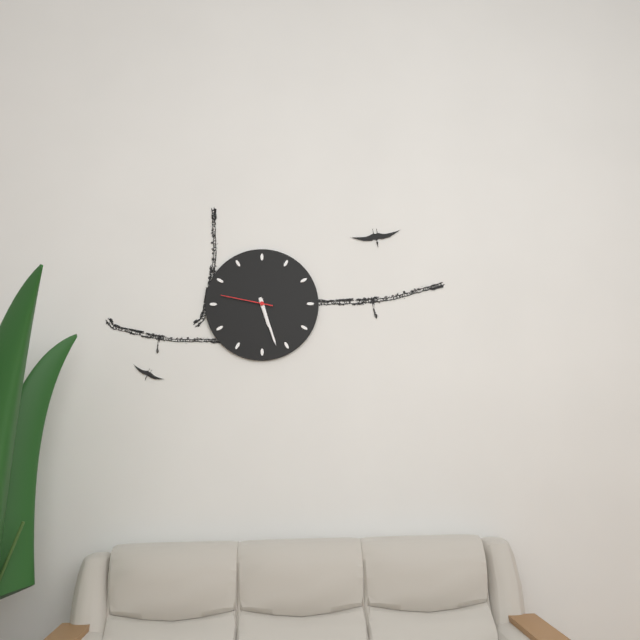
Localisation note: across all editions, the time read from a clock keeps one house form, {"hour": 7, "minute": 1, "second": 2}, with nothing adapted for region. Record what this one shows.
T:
{"hour": 5, "minute": 27, "second": 47}
